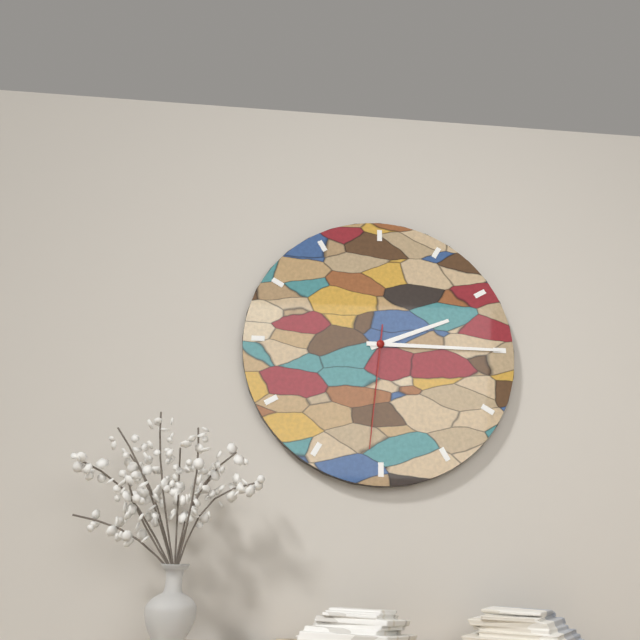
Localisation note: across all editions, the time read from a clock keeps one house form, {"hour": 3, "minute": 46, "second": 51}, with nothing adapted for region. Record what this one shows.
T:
{"hour": 2, "minute": 15, "second": 31}
